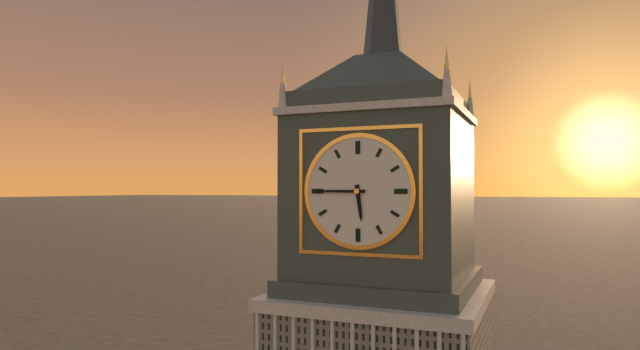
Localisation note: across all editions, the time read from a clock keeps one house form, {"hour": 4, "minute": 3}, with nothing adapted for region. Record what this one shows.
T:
{"hour": 5, "minute": 45}
